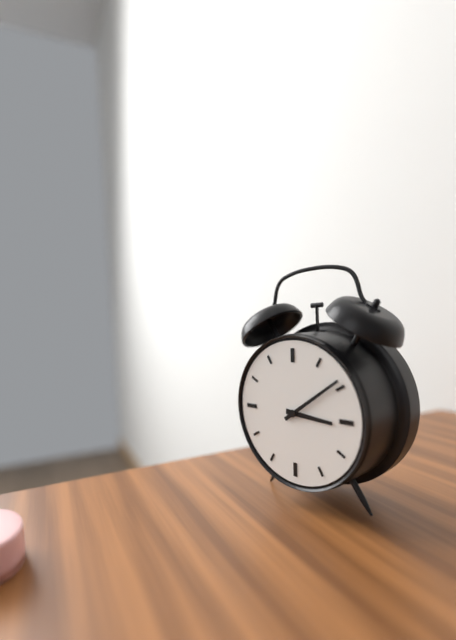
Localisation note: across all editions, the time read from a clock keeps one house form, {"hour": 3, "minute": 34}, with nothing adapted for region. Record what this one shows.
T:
{"hour": 3, "minute": 9}
